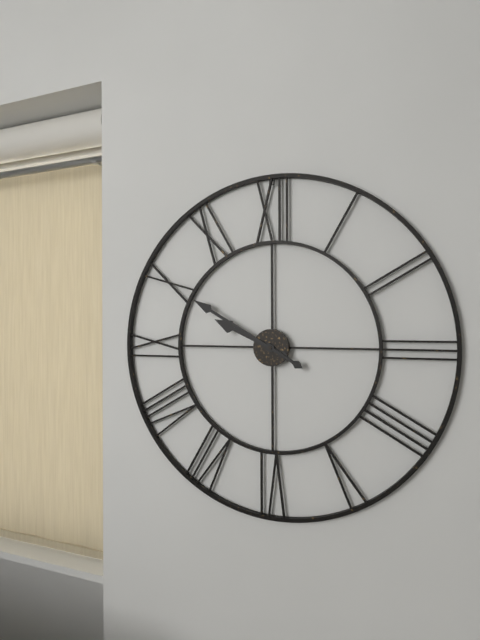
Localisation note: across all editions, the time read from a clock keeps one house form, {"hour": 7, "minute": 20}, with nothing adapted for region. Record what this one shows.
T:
{"hour": 9, "minute": 50}
